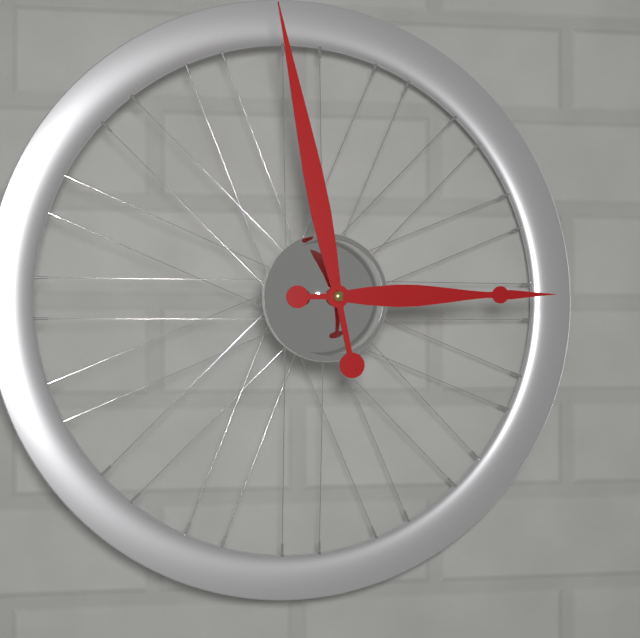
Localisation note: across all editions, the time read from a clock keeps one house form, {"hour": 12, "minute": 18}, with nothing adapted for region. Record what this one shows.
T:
{"hour": 2, "minute": 58}
